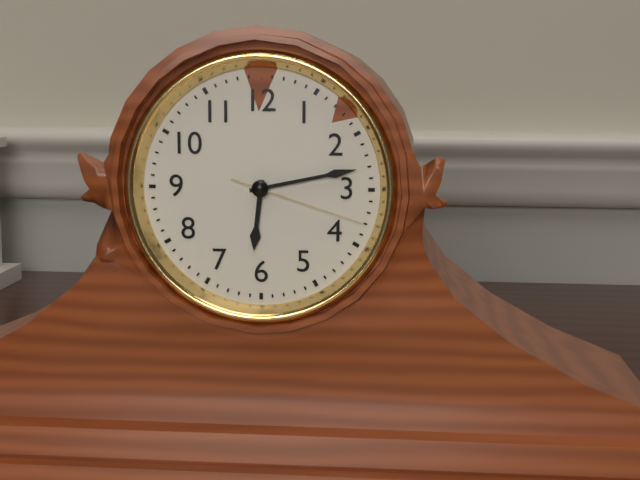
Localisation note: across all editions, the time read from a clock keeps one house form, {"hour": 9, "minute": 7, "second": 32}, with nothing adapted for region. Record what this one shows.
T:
{"hour": 6, "minute": 13, "second": 18}
